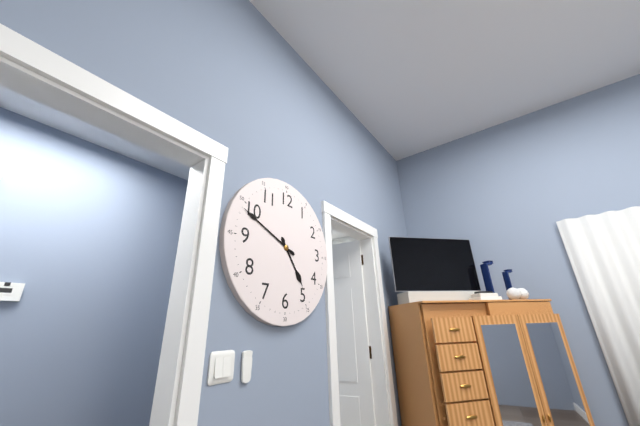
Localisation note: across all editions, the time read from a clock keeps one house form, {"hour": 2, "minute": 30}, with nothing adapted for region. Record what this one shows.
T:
{"hour": 4, "minute": 49}
